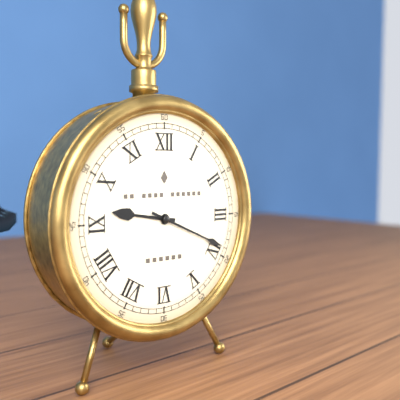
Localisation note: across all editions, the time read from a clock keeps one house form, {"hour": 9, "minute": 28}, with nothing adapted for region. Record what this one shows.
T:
{"hour": 9, "minute": 19}
